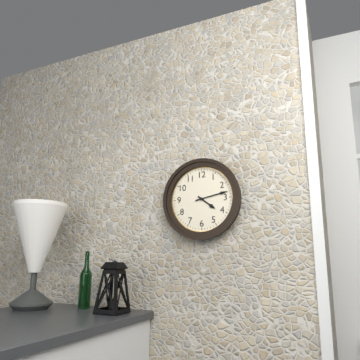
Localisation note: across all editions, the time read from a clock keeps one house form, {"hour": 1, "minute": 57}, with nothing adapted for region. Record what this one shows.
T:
{"hour": 4, "minute": 13}
